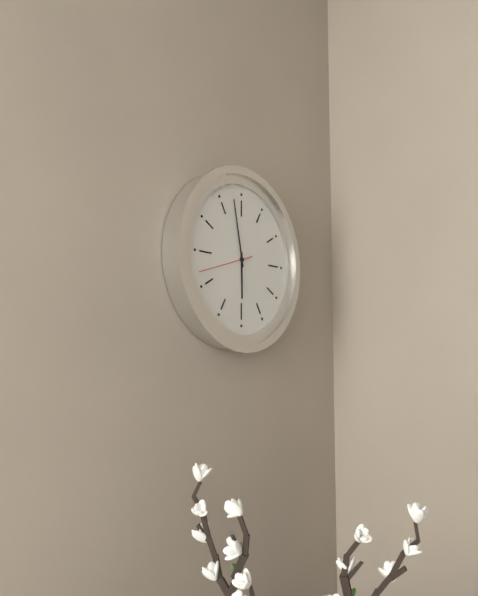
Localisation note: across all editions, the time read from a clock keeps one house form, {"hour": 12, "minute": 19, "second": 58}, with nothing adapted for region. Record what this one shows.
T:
{"hour": 5, "minute": 58, "second": 42}
